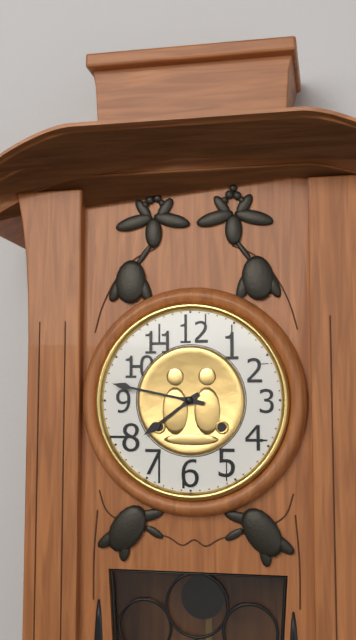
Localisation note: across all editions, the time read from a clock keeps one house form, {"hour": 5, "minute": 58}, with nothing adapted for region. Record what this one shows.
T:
{"hour": 7, "minute": 47}
